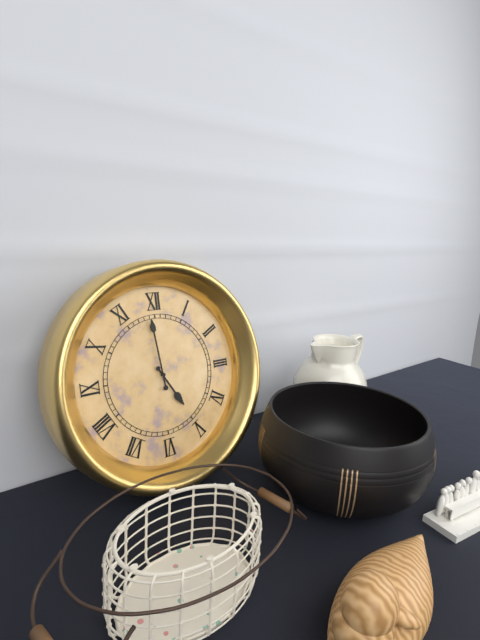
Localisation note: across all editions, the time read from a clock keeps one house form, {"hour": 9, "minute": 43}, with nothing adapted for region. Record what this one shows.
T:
{"hour": 4, "minute": 59}
